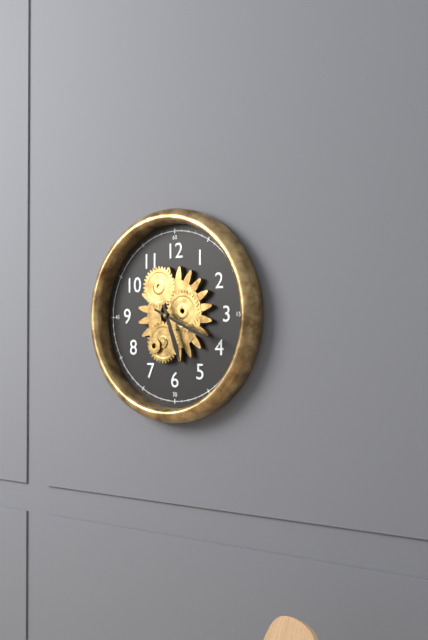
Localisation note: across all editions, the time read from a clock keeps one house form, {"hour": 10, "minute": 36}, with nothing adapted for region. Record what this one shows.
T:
{"hour": 5, "minute": 19}
